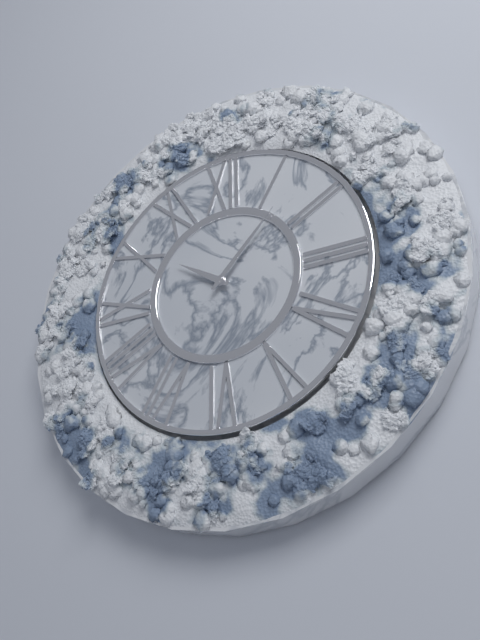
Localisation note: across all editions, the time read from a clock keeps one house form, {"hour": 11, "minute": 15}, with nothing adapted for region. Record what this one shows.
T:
{"hour": 10, "minute": 7}
